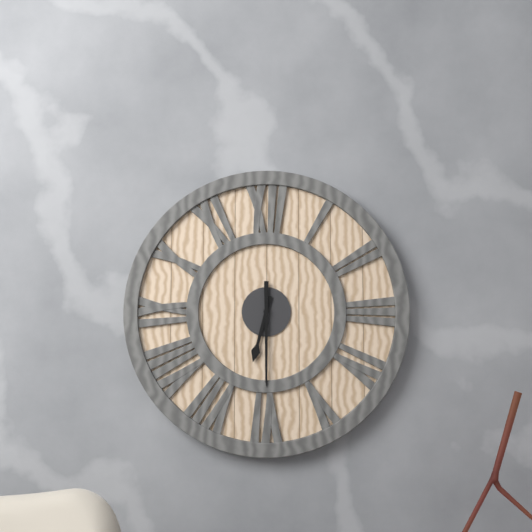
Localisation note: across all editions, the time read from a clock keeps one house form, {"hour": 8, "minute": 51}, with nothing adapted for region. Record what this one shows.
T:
{"hour": 6, "minute": 30}
